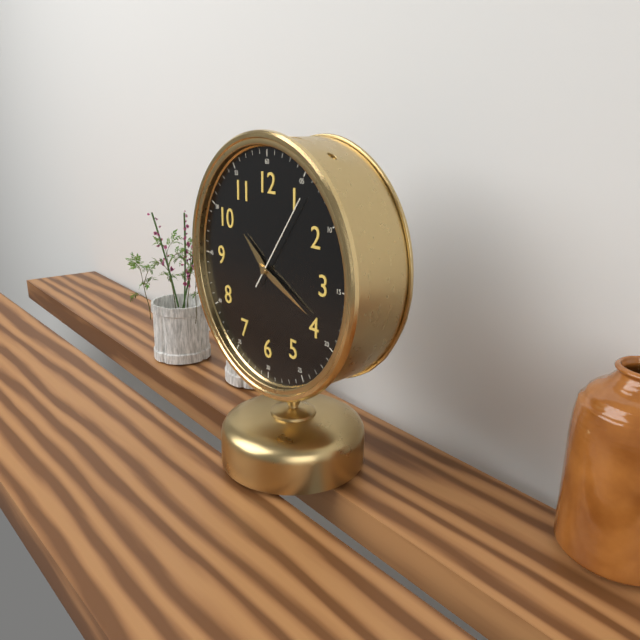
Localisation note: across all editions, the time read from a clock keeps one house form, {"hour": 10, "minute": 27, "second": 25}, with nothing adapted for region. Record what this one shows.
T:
{"hour": 10, "minute": 19, "second": 6}
